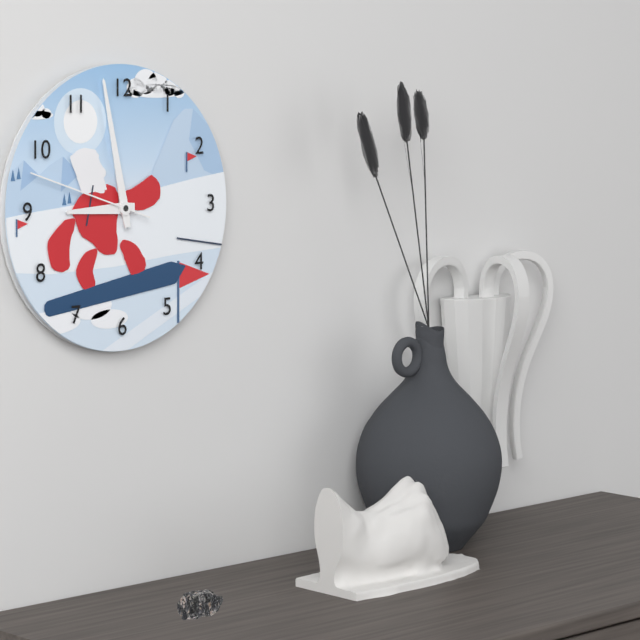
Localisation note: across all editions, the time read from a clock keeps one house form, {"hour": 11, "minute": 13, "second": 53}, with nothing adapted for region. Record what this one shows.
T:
{"hour": 8, "minute": 58, "second": 48}
